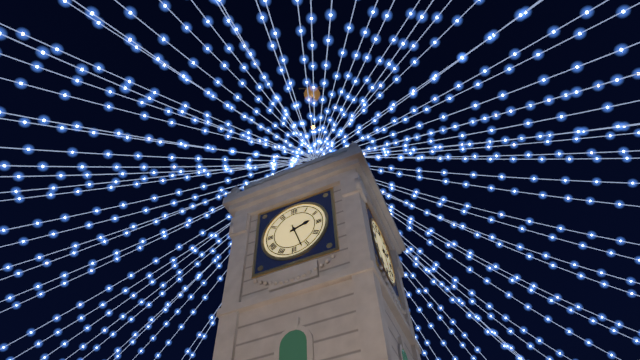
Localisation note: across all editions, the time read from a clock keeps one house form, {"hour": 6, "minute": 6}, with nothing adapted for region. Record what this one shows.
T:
{"hour": 2, "minute": 27}
